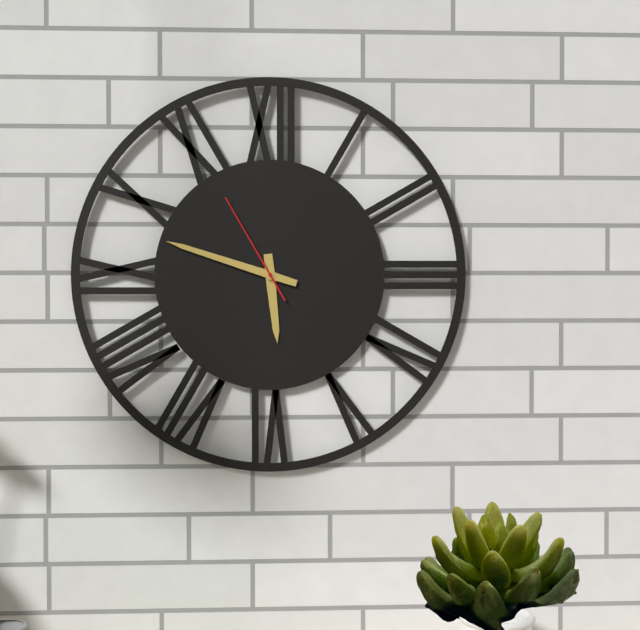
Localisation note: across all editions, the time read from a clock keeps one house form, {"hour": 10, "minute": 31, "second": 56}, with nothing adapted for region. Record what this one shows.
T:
{"hour": 5, "minute": 48, "second": 55}
